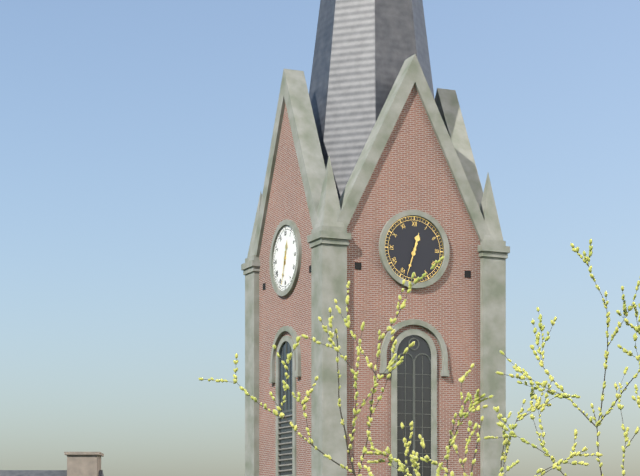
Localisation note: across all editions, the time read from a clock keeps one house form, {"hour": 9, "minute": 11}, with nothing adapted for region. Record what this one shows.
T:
{"hour": 12, "minute": 33}
